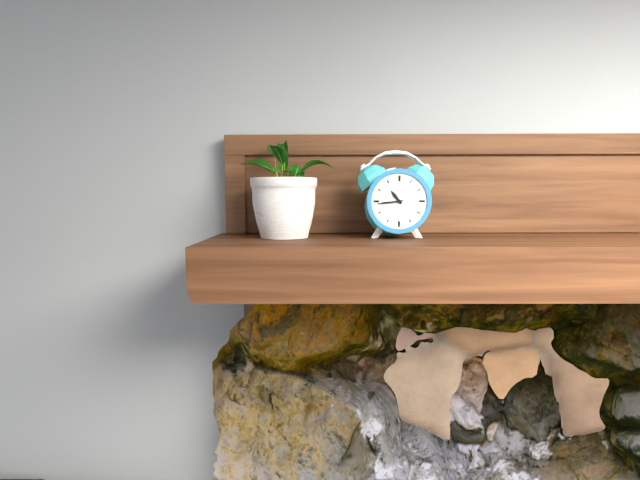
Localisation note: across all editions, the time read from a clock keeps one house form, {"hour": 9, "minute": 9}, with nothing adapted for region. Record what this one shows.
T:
{"hour": 10, "minute": 44}
